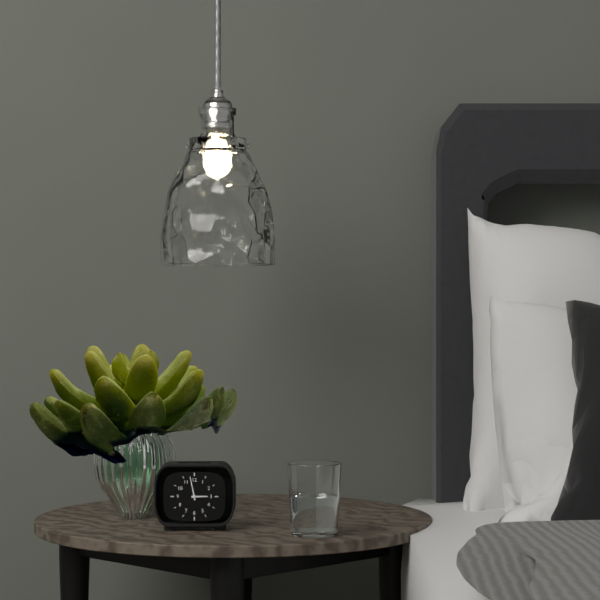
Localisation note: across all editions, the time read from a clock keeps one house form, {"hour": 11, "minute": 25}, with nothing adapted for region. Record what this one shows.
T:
{"hour": 2, "minute": 58}
